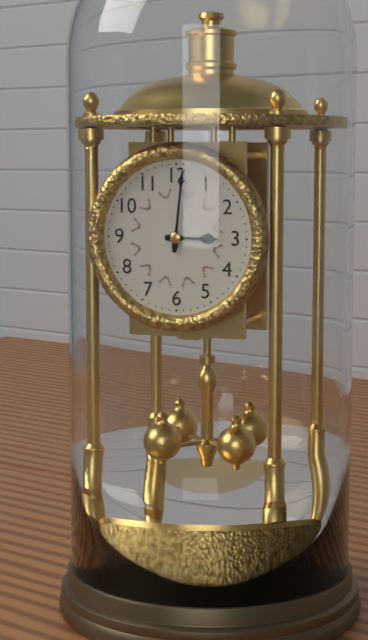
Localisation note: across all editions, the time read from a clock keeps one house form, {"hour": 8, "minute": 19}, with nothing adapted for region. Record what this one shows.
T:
{"hour": 3, "minute": 1}
